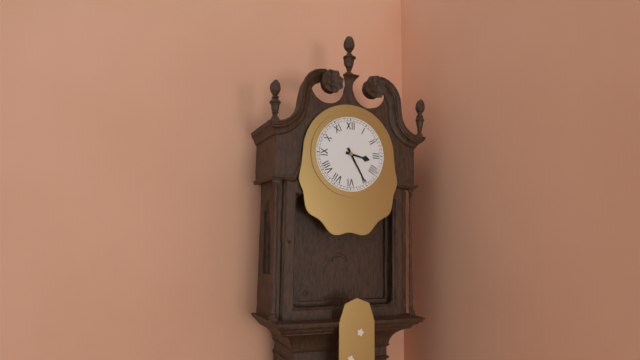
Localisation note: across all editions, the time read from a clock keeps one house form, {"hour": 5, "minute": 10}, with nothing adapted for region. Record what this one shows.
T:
{"hour": 3, "minute": 25}
